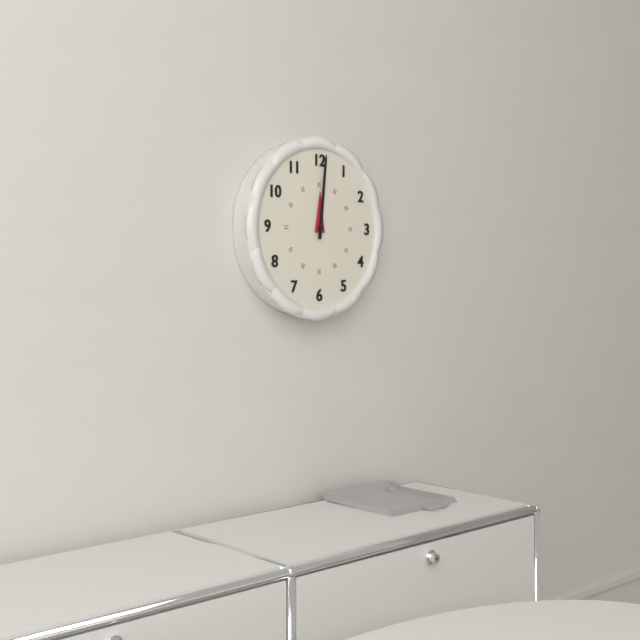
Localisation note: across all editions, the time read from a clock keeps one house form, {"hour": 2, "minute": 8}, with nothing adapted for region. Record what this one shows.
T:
{"hour": 12, "minute": 1}
